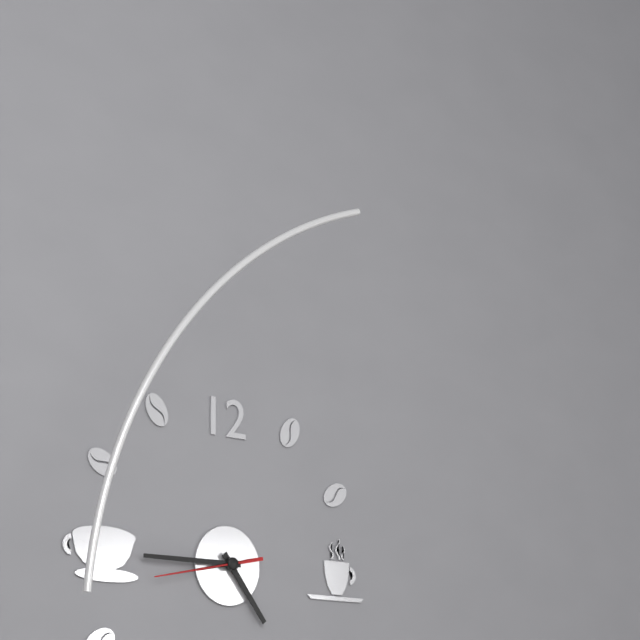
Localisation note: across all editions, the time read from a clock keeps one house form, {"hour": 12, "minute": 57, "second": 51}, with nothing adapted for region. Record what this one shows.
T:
{"hour": 4, "minute": 45, "second": 43}
